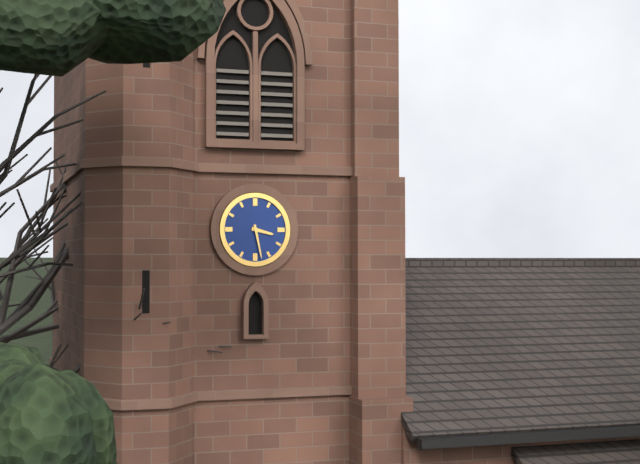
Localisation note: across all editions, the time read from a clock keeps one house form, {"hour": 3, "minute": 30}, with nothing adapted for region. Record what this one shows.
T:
{"hour": 3, "minute": 28}
